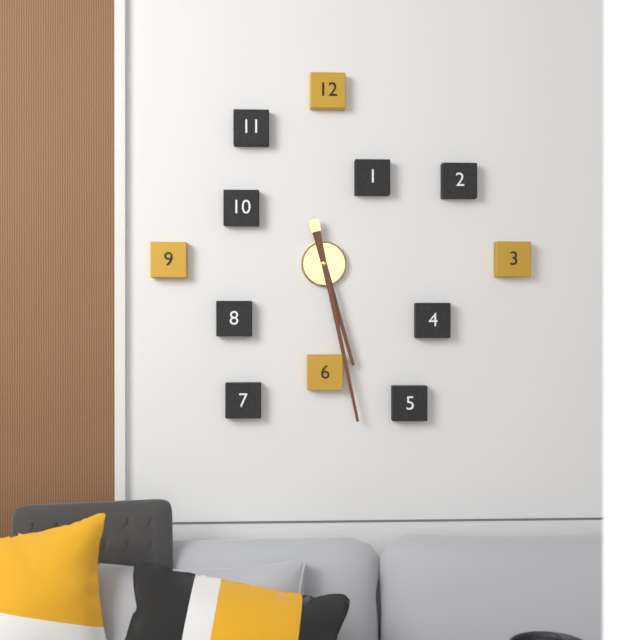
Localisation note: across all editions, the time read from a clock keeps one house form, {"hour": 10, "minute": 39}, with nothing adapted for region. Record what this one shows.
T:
{"hour": 5, "minute": 28}
